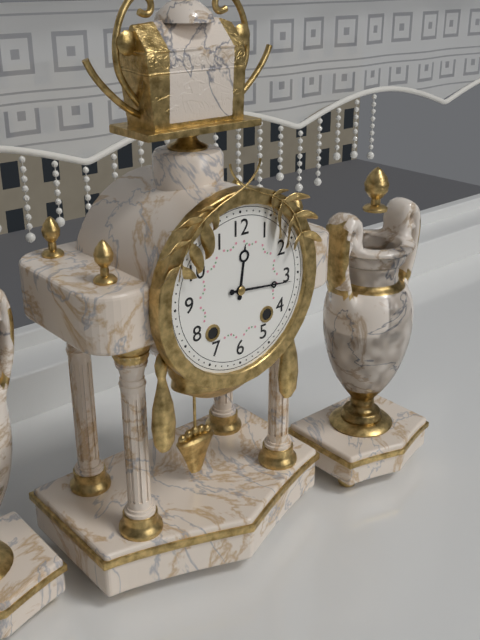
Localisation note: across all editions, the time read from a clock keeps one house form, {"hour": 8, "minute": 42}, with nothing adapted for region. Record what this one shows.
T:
{"hour": 12, "minute": 16}
